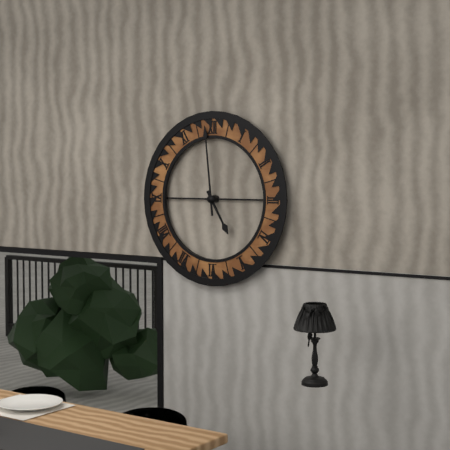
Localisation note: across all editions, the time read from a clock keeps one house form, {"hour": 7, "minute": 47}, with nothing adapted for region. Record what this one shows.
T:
{"hour": 4, "minute": 59}
